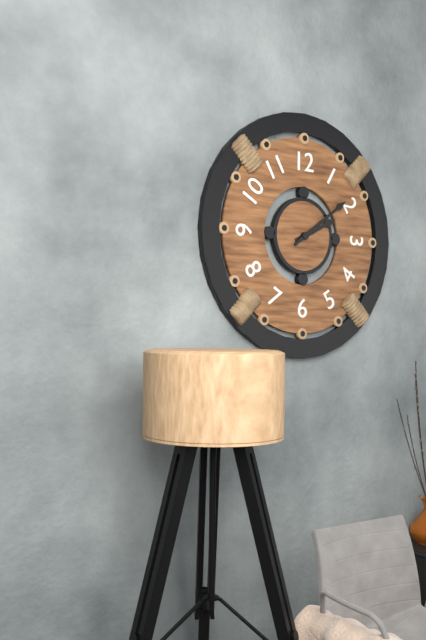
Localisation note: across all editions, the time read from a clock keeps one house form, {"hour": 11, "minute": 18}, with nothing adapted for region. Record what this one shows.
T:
{"hour": 2, "minute": 9}
